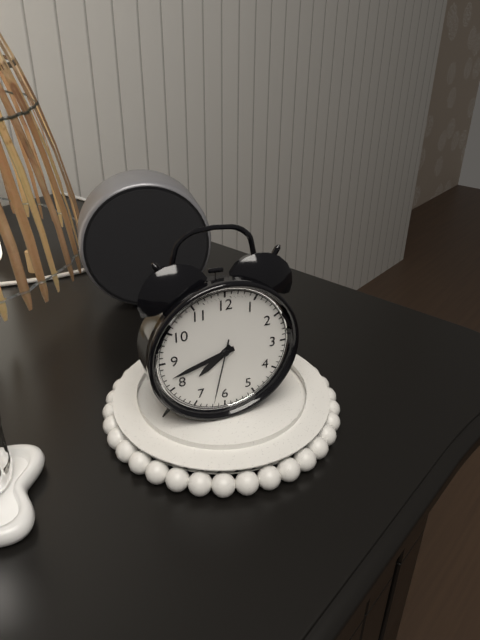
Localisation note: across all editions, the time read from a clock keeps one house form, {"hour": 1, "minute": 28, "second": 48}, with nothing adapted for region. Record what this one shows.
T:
{"hour": 7, "minute": 42, "second": 32}
